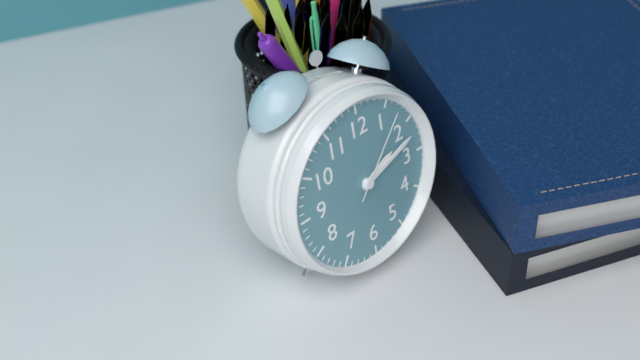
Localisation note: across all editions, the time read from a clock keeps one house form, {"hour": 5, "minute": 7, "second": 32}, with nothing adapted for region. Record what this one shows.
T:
{"hour": 2, "minute": 12, "second": 7}
